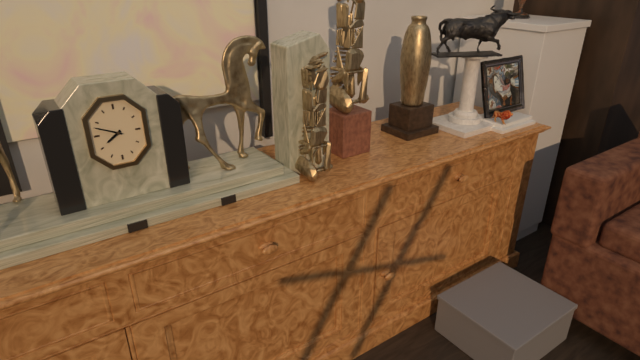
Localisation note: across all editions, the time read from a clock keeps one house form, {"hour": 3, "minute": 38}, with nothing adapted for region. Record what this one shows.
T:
{"hour": 7, "minute": 49}
